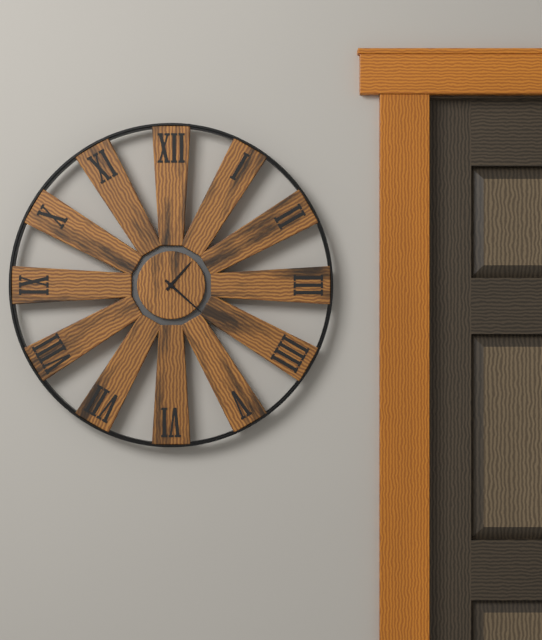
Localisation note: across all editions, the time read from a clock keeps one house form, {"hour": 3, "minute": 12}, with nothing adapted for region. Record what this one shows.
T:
{"hour": 1, "minute": 22}
